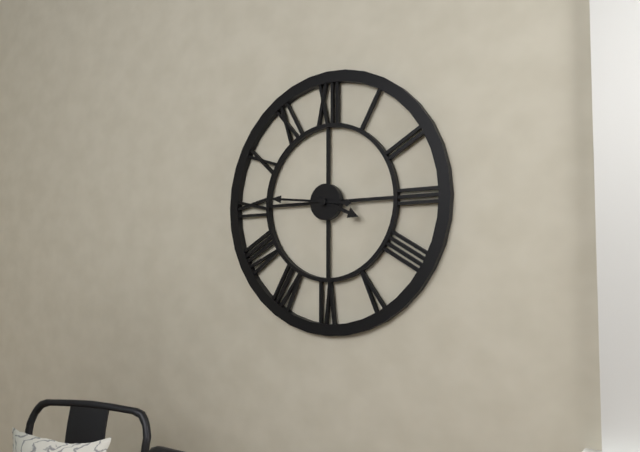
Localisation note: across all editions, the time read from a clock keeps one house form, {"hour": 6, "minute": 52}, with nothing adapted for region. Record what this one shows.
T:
{"hour": 3, "minute": 46}
